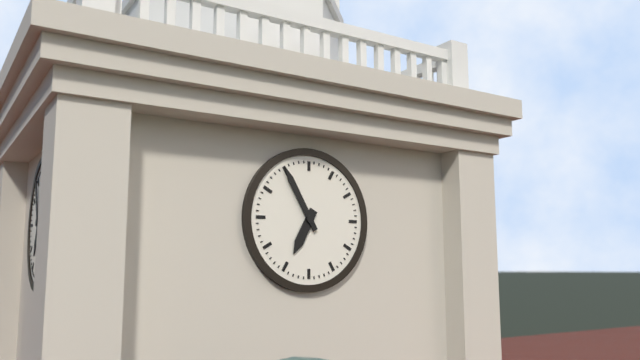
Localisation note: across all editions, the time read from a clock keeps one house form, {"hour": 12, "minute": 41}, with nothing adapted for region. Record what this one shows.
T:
{"hour": 6, "minute": 55}
